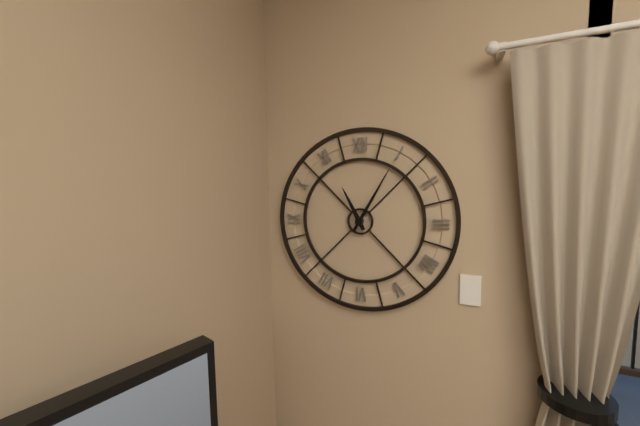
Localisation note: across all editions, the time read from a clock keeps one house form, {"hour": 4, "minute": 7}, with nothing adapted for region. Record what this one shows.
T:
{"hour": 11, "minute": 5}
